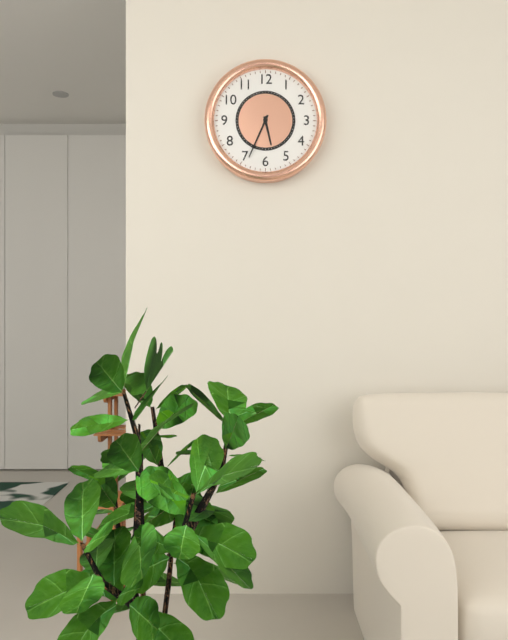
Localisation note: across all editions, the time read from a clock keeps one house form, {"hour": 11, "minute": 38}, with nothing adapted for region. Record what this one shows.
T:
{"hour": 5, "minute": 34}
